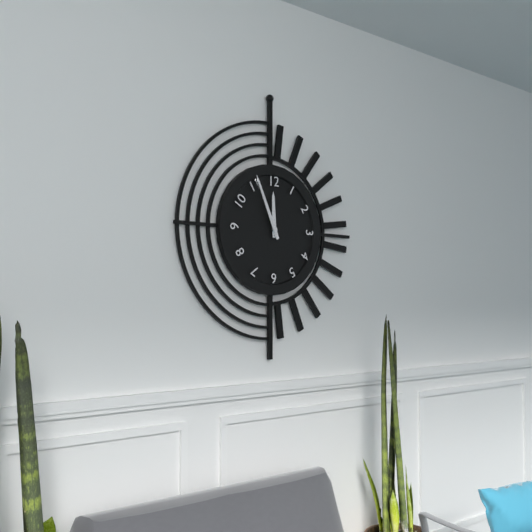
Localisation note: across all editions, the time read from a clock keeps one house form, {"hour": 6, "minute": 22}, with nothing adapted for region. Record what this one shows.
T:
{"hour": 11, "minute": 56}
